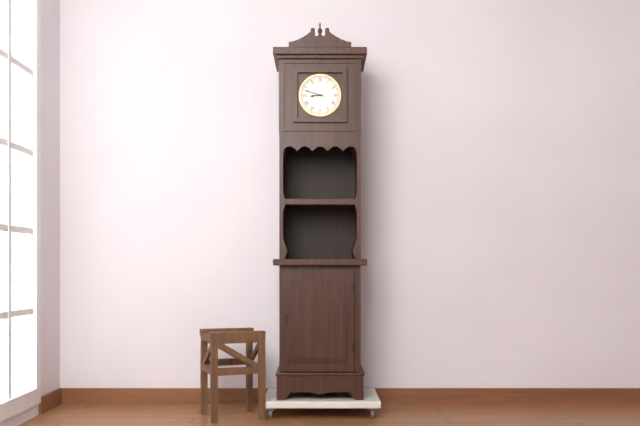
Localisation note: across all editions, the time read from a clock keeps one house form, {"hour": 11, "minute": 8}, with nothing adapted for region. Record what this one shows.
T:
{"hour": 8, "minute": 48}
